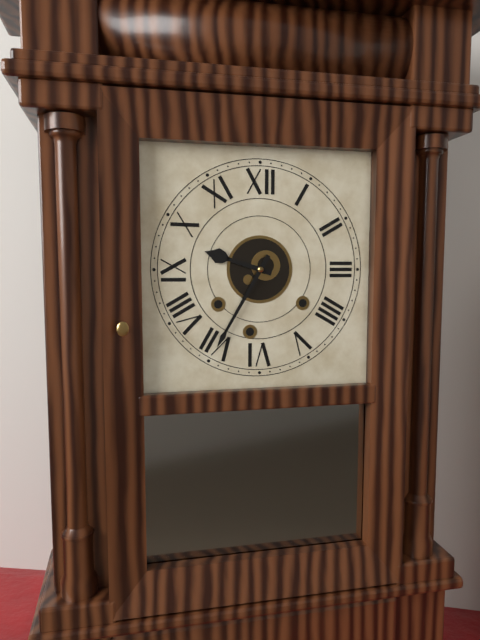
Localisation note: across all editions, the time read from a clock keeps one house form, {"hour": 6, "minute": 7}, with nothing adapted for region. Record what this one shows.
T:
{"hour": 9, "minute": 35}
